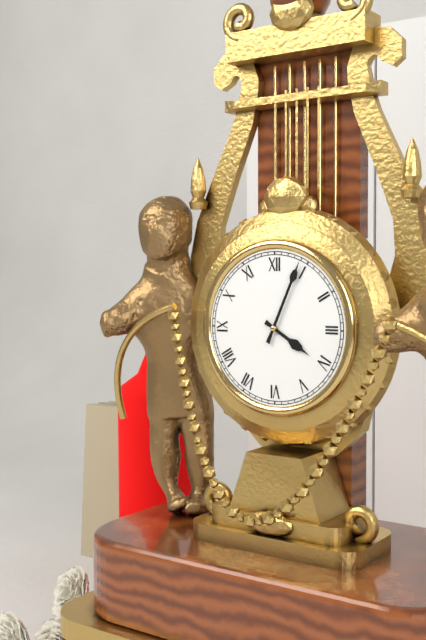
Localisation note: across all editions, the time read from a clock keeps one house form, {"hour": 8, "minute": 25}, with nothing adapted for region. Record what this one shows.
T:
{"hour": 4, "minute": 4}
